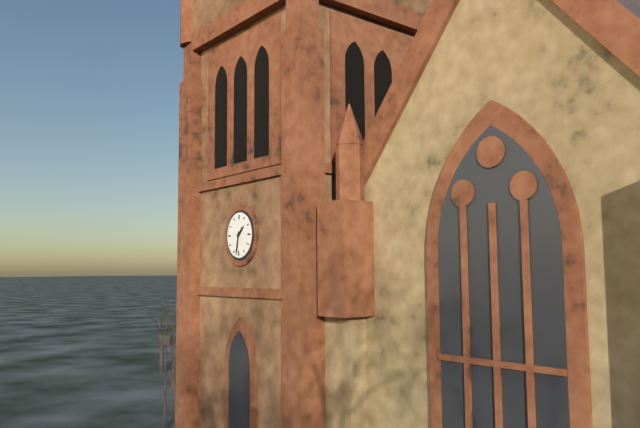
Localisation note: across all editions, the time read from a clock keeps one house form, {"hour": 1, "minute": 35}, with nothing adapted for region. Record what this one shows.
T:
{"hour": 1, "minute": 32}
